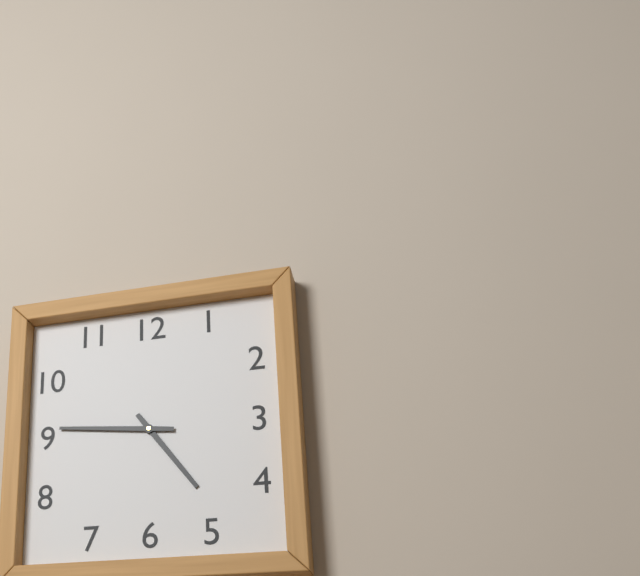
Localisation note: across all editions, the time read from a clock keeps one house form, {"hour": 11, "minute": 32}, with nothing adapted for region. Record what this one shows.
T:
{"hour": 4, "minute": 46}
